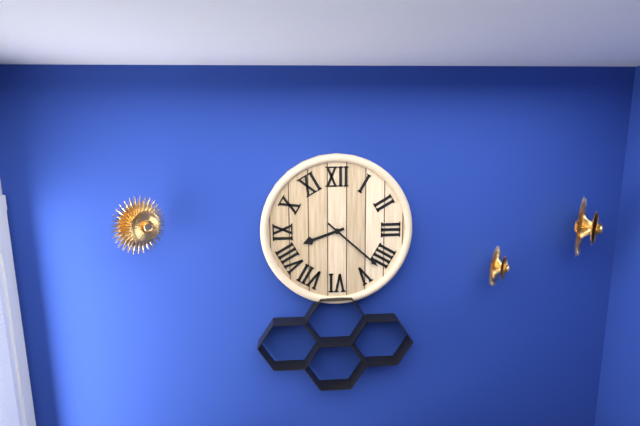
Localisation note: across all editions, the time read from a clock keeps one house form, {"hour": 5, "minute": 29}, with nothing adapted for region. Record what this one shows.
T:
{"hour": 8, "minute": 22}
